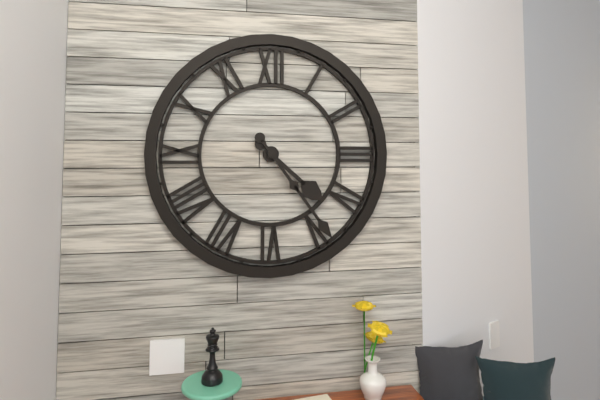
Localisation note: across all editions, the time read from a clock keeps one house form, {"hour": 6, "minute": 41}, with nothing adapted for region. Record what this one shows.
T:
{"hour": 4, "minute": 24}
